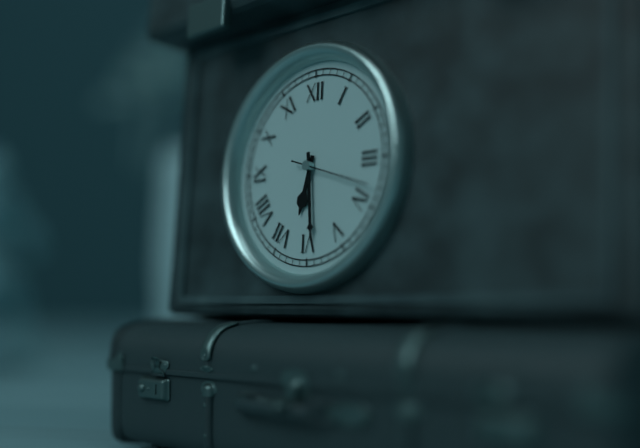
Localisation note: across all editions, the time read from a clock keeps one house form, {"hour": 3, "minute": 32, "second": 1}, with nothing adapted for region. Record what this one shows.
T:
{"hour": 6, "minute": 29, "second": 18}
